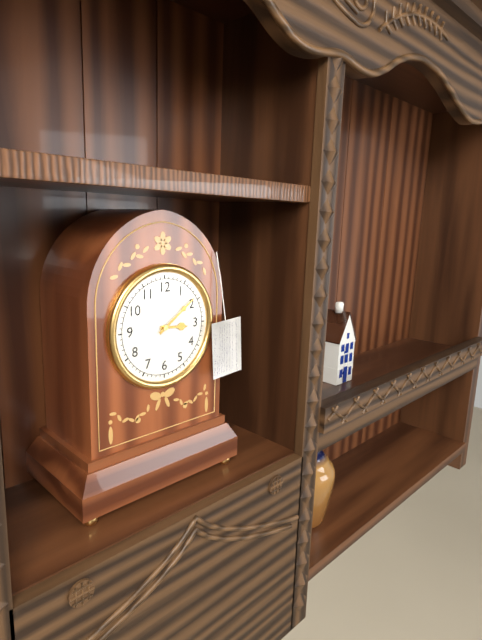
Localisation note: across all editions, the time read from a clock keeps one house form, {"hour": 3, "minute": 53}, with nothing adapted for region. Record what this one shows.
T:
{"hour": 3, "minute": 9}
